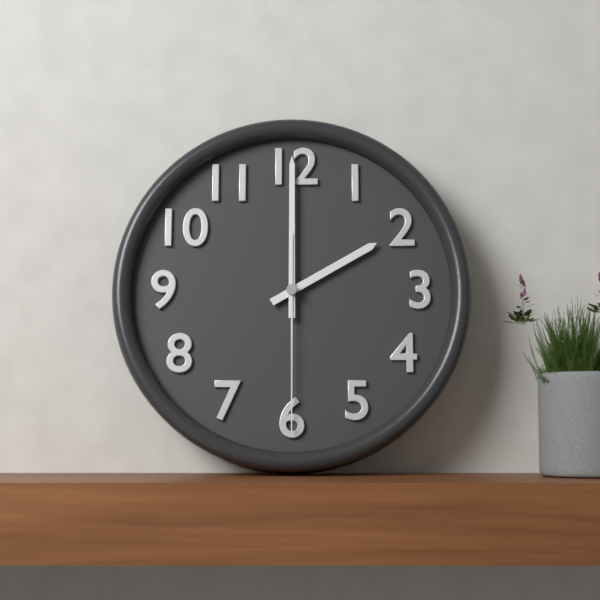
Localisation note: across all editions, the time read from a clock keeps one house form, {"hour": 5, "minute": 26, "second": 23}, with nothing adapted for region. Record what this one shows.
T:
{"hour": 2, "minute": 0, "second": 30}
